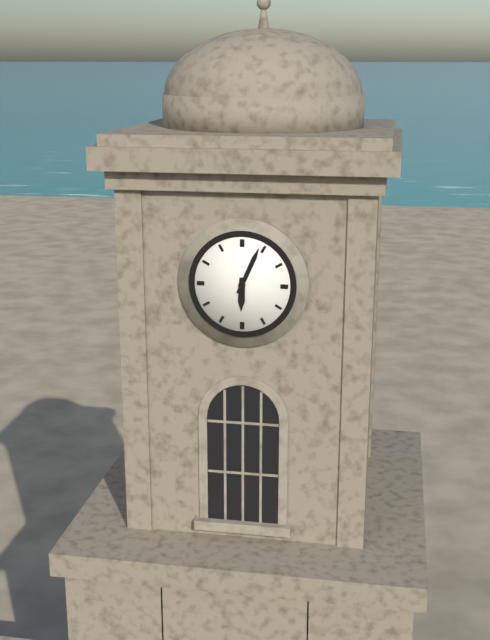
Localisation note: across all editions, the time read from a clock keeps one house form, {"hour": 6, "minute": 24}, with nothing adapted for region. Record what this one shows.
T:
{"hour": 6, "minute": 4}
